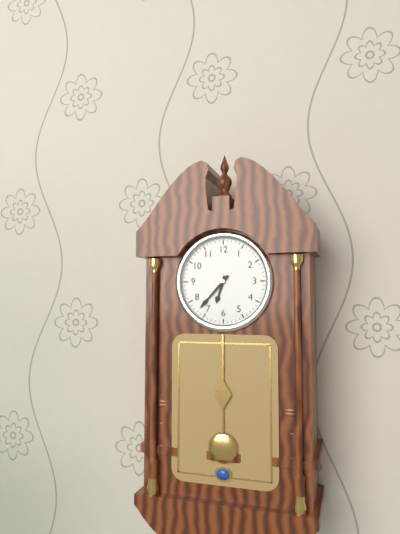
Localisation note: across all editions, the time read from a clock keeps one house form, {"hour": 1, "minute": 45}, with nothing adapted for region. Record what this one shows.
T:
{"hour": 6, "minute": 37}
